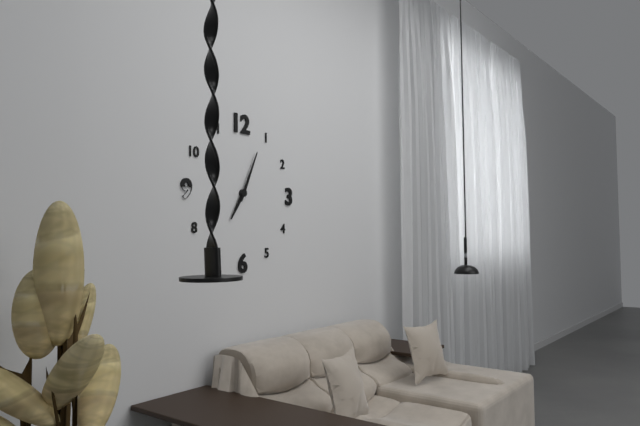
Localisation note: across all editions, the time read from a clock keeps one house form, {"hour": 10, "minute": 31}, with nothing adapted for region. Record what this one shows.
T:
{"hour": 7, "minute": 4}
